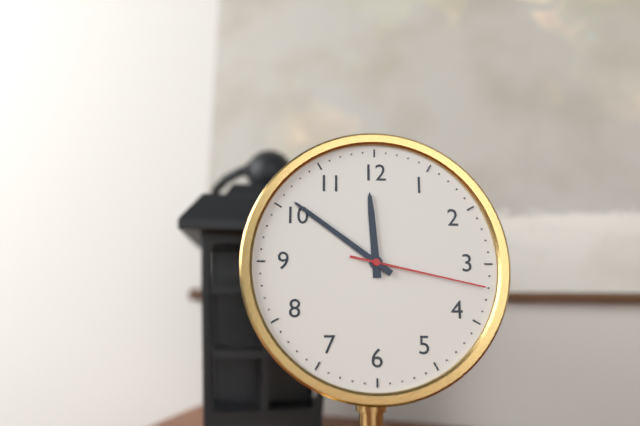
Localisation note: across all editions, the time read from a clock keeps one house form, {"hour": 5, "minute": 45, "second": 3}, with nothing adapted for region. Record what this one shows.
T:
{"hour": 11, "minute": 51, "second": 17}
